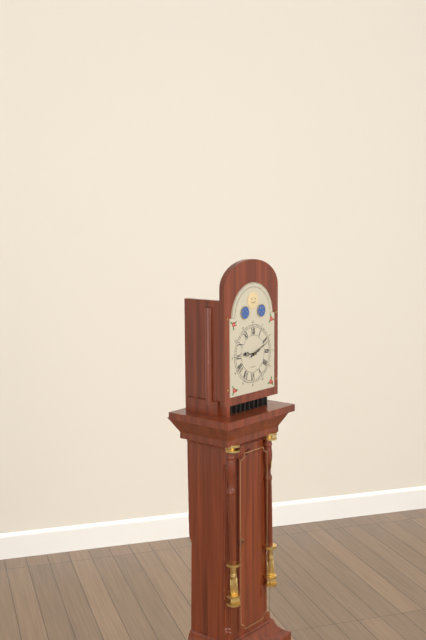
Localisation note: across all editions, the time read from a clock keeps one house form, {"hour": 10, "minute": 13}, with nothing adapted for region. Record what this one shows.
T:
{"hour": 9, "minute": 11}
